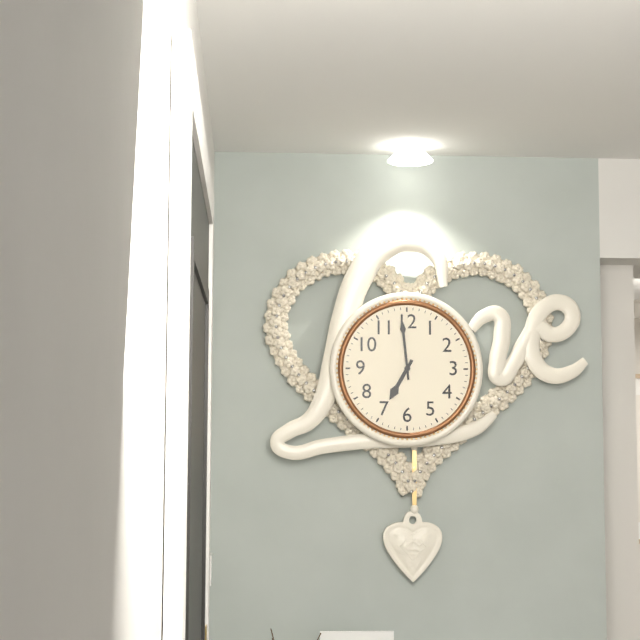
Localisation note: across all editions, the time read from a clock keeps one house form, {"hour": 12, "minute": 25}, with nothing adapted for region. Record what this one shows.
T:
{"hour": 6, "minute": 59}
